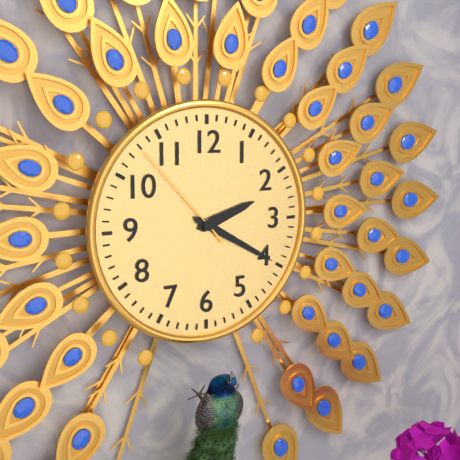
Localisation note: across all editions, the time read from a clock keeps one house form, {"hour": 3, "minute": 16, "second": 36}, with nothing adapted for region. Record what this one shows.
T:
{"hour": 2, "minute": 20, "second": 53}
